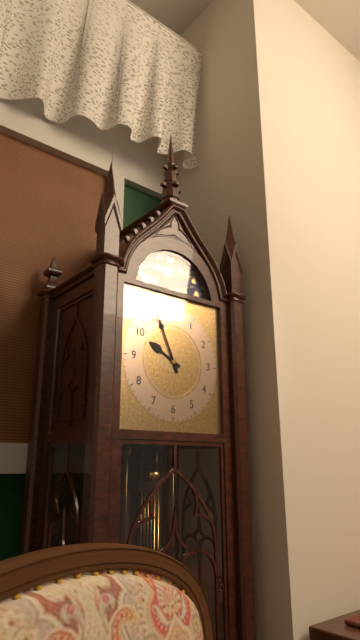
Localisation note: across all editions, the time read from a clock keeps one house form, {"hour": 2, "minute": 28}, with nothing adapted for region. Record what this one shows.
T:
{"hour": 9, "minute": 56}
